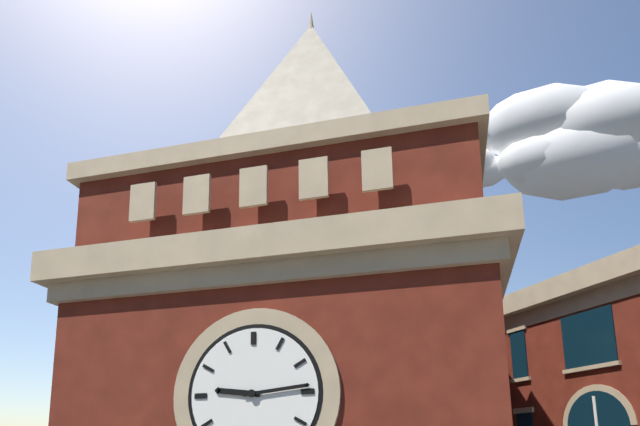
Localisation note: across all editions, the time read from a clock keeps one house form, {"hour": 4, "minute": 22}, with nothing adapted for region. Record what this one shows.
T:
{"hour": 9, "minute": 14}
